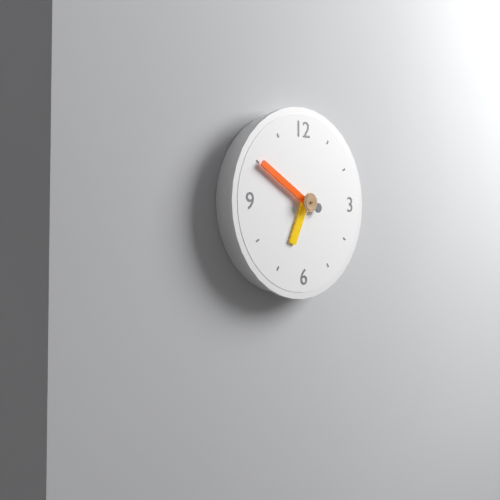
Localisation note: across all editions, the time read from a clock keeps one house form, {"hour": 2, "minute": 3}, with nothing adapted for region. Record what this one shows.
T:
{"hour": 6, "minute": 50}
